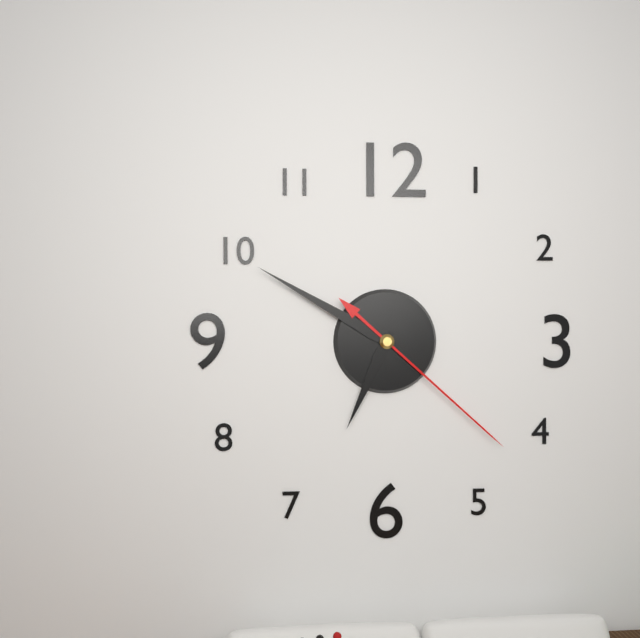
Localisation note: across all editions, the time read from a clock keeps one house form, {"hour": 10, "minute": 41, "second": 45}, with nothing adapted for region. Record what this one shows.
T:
{"hour": 6, "minute": 50, "second": 22}
